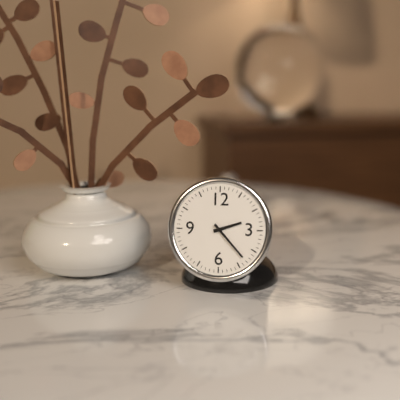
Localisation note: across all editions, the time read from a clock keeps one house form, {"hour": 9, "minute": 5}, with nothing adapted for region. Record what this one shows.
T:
{"hour": 2, "minute": 23}
